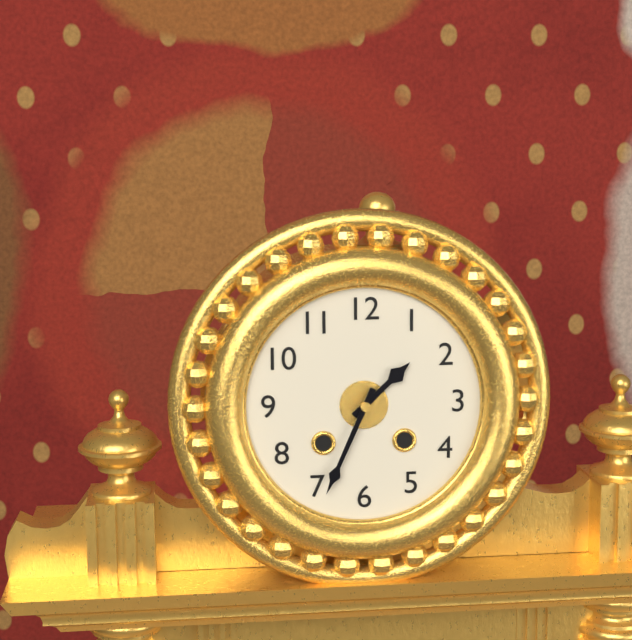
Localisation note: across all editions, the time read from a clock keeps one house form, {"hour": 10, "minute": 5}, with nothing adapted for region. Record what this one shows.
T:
{"hour": 1, "minute": 34}
